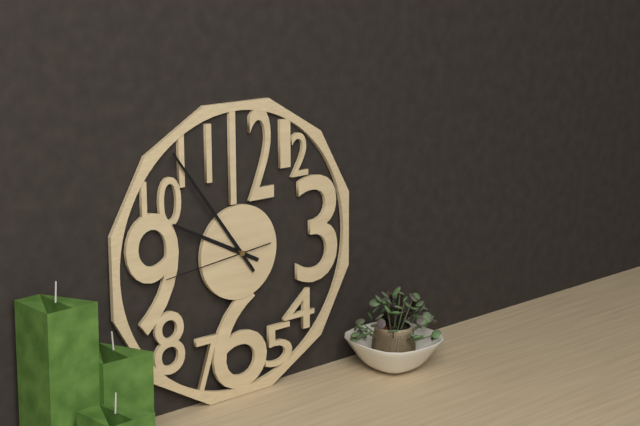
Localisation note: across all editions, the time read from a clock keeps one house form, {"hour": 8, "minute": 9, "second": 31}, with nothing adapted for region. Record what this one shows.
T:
{"hour": 9, "minute": 54, "second": 44}
